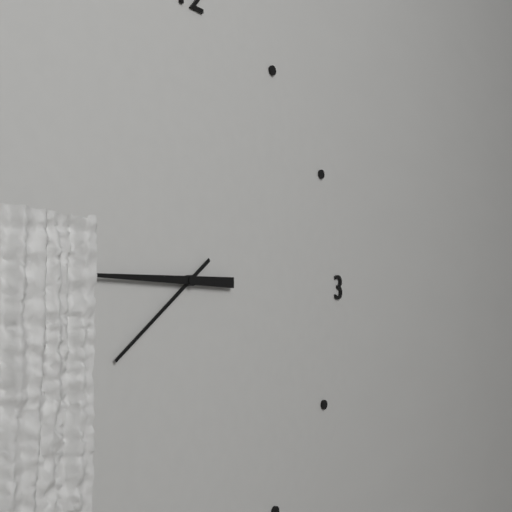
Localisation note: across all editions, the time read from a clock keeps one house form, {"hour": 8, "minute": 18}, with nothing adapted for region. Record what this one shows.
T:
{"hour": 7, "minute": 45}
